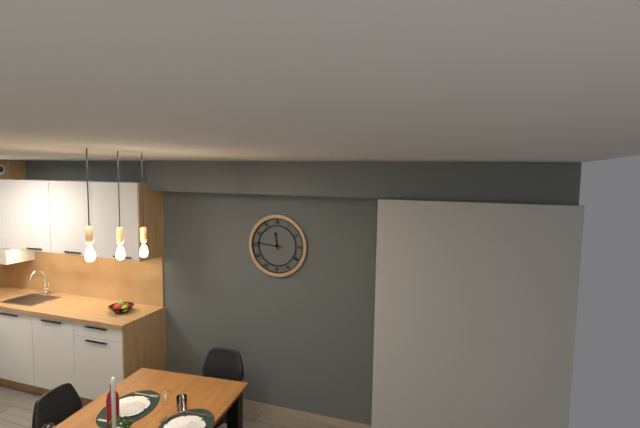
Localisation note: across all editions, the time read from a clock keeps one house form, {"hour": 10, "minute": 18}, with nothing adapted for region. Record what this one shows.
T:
{"hour": 11, "minute": 46}
